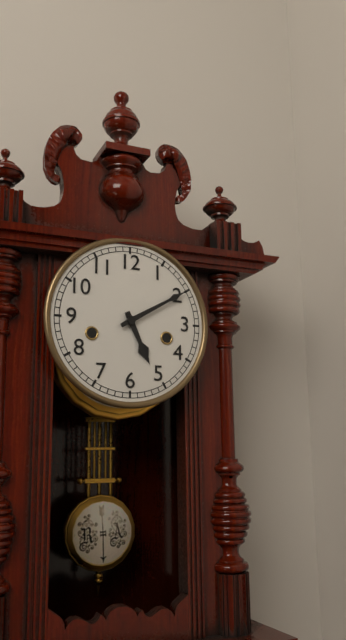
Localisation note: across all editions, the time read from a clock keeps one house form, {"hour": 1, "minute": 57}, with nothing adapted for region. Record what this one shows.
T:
{"hour": 5, "minute": 10}
